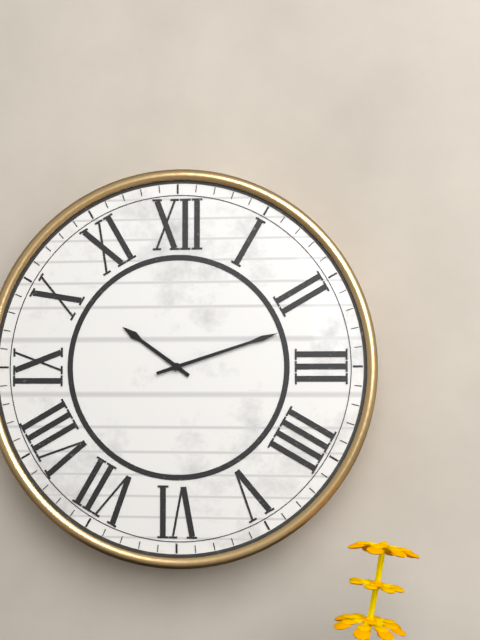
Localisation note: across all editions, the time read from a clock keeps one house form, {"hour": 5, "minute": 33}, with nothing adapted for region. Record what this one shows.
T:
{"hour": 10, "minute": 12}
